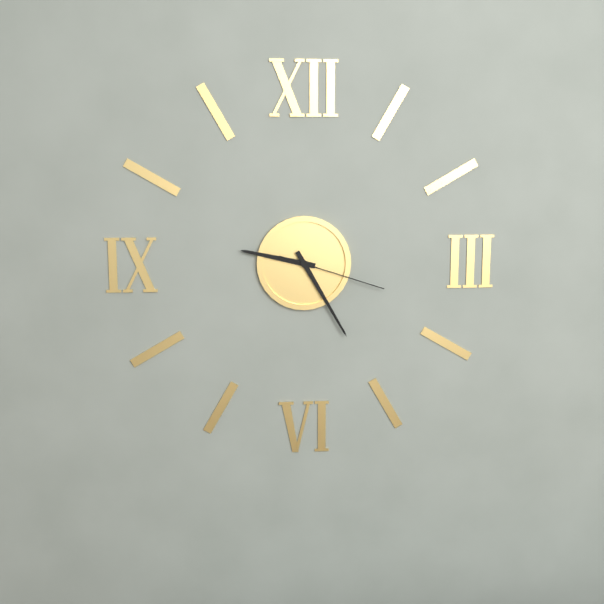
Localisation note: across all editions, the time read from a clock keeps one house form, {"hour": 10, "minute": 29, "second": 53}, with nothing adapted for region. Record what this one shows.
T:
{"hour": 9, "minute": 25, "second": 18}
